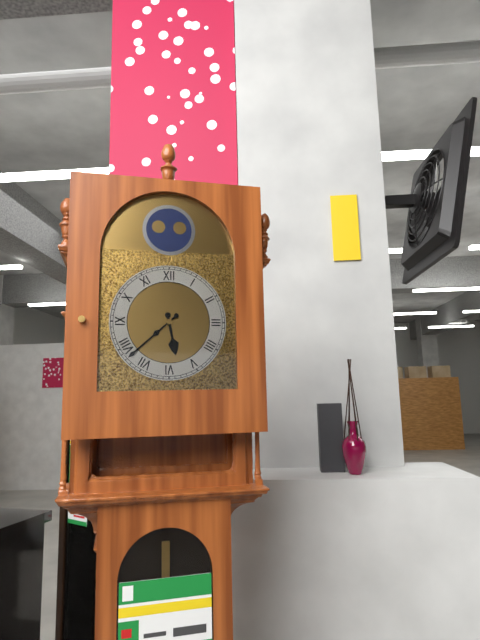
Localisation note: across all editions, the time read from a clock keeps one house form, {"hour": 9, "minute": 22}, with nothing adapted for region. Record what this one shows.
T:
{"hour": 5, "minute": 38}
